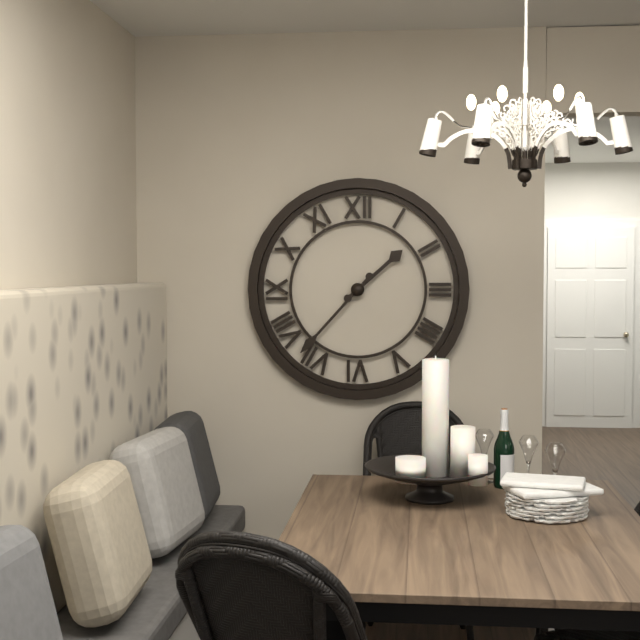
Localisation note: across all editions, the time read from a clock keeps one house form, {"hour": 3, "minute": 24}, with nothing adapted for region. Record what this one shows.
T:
{"hour": 1, "minute": 37}
